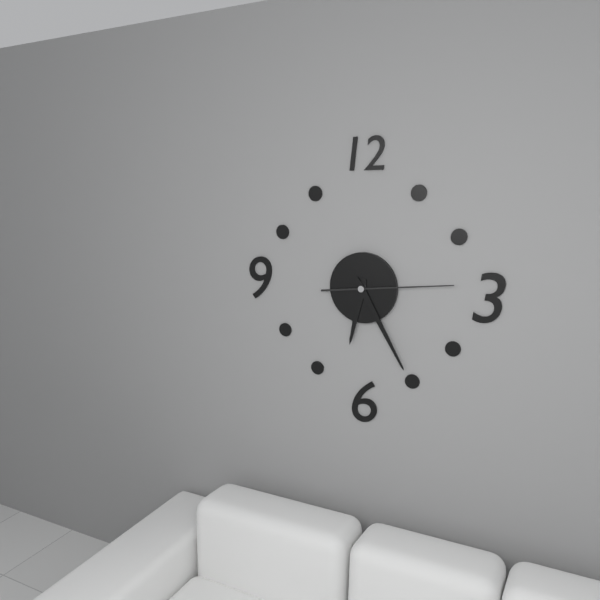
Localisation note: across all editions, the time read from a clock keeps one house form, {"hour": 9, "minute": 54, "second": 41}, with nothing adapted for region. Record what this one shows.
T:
{"hour": 6, "minute": 25, "second": 14}
